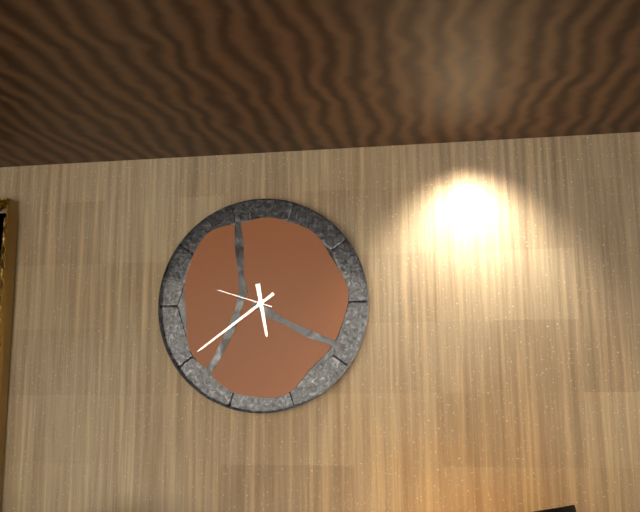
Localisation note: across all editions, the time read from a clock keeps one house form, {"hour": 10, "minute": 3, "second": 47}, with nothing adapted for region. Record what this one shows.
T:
{"hour": 5, "minute": 39, "second": 48}
